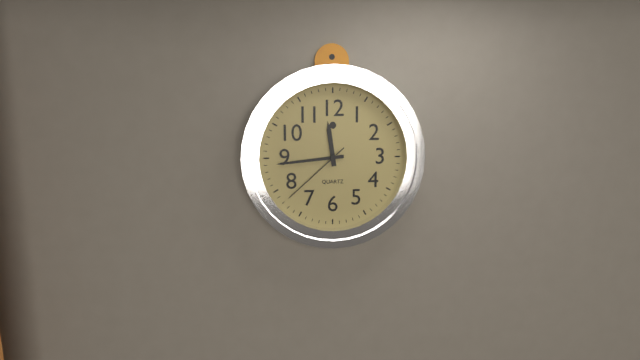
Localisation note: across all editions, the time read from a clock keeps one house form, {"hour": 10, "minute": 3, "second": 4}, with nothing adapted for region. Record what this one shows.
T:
{"hour": 11, "minute": 44, "second": 38}
